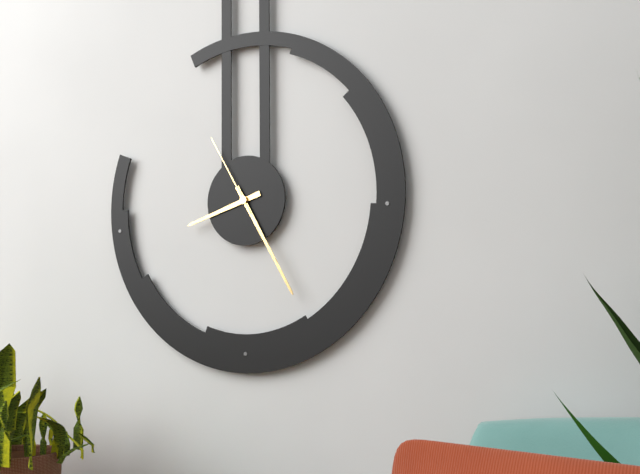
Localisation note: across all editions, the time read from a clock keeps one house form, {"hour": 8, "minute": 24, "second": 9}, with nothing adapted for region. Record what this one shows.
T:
{"hour": 8, "minute": 25, "second": 55}
